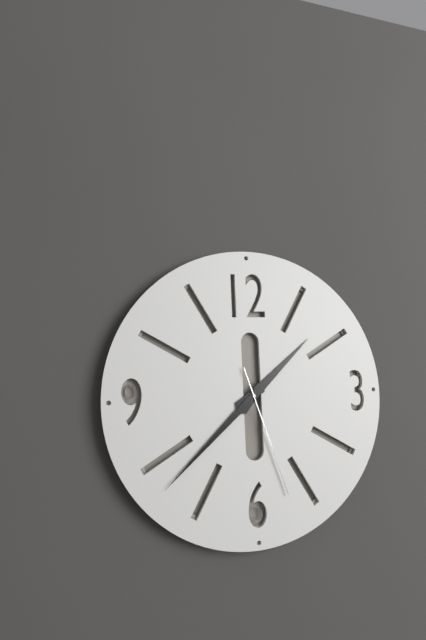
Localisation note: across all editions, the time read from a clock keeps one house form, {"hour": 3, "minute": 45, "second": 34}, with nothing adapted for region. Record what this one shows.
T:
{"hour": 1, "minute": 38, "second": 27}
